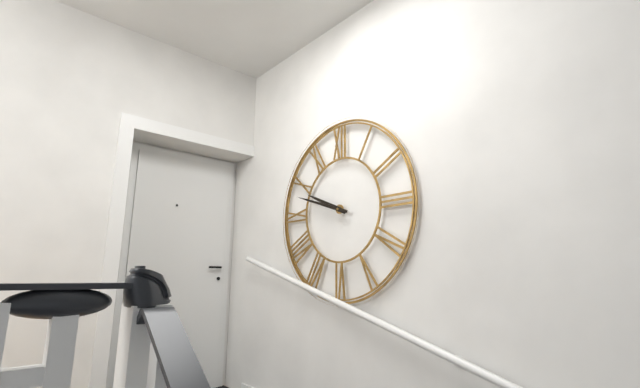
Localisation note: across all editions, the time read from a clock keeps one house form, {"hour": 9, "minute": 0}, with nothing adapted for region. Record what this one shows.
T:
{"hour": 9, "minute": 48}
